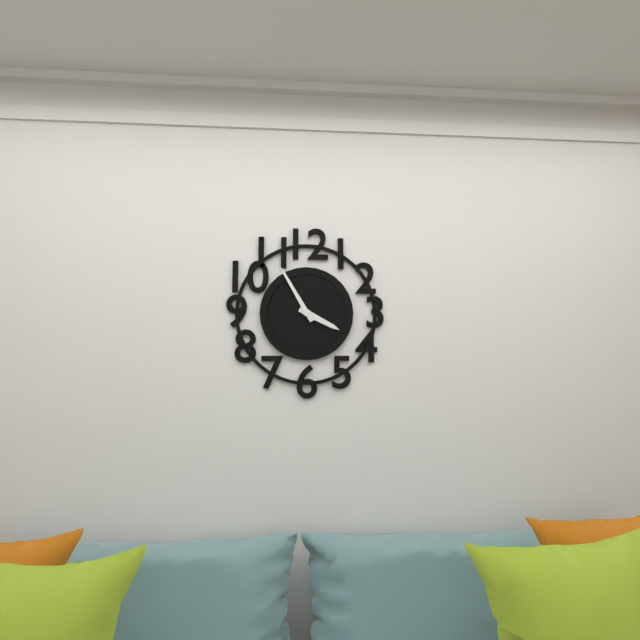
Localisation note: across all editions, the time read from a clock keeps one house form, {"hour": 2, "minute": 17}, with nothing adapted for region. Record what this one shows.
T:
{"hour": 3, "minute": 55}
